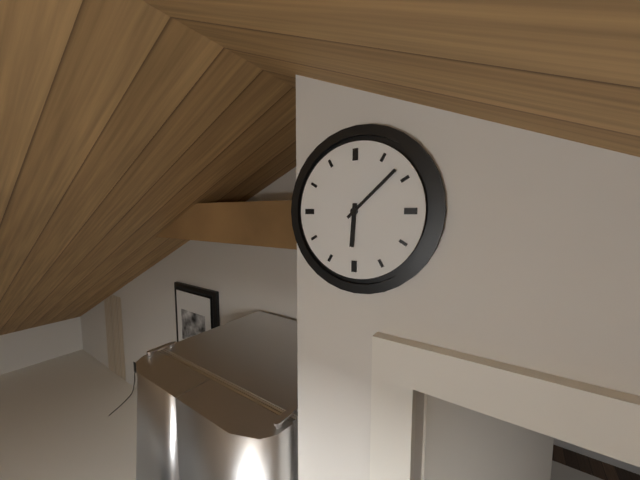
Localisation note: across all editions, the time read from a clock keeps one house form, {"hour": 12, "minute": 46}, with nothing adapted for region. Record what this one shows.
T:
{"hour": 6, "minute": 8}
